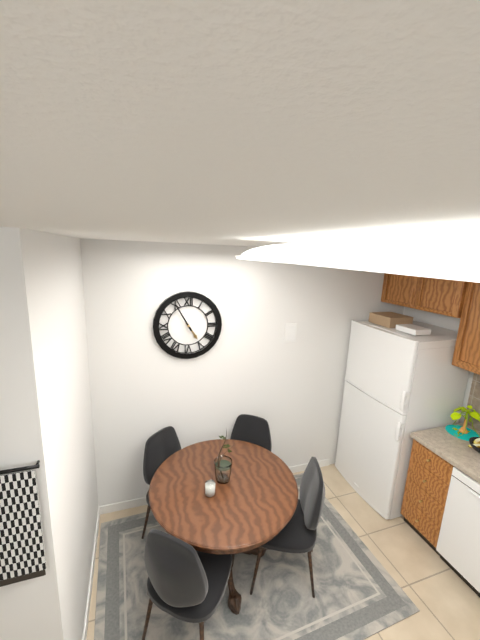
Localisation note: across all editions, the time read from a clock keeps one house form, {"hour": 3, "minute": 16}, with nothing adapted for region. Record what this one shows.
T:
{"hour": 4, "minute": 55}
